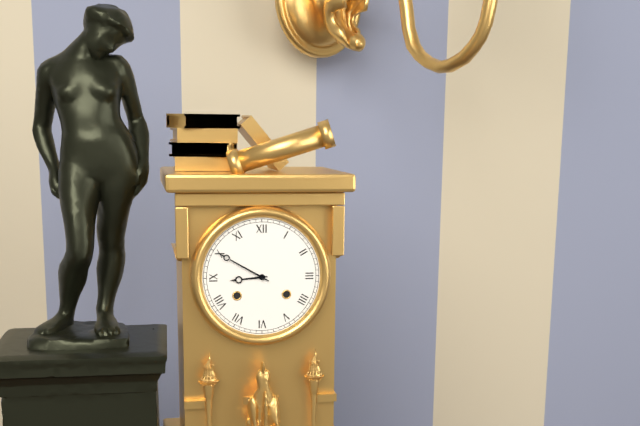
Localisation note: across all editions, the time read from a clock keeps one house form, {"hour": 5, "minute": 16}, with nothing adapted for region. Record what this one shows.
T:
{"hour": 8, "minute": 50}
